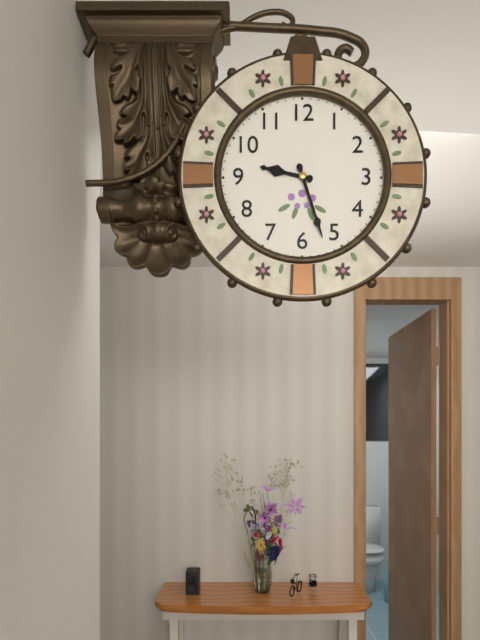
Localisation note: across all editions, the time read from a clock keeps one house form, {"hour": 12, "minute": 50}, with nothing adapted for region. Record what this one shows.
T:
{"hour": 9, "minute": 27}
